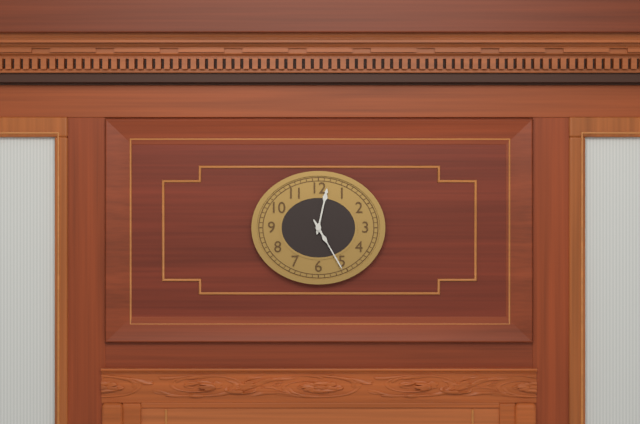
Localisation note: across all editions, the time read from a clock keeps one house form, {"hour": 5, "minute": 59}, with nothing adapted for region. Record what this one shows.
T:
{"hour": 12, "minute": 25}
